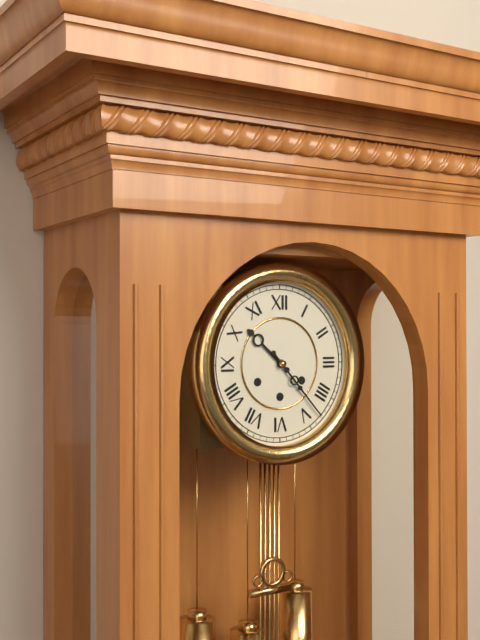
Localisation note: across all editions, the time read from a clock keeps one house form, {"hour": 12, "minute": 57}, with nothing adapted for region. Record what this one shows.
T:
{"hour": 10, "minute": 23}
